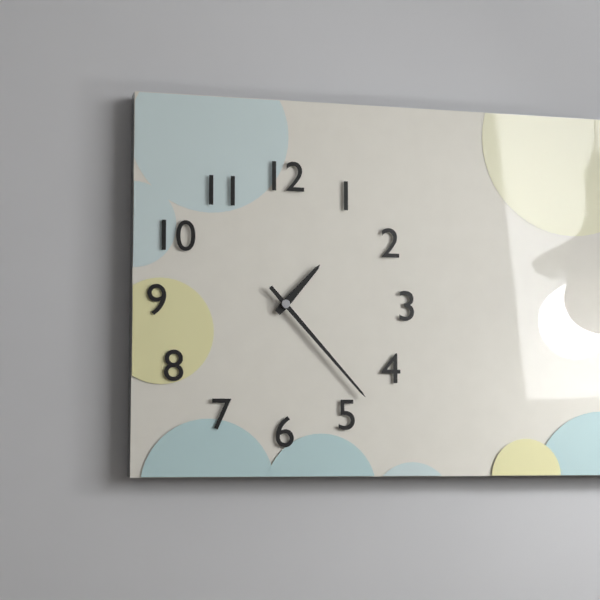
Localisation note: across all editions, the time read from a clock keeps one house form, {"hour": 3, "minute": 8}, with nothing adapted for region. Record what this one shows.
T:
{"hour": 1, "minute": 23}
